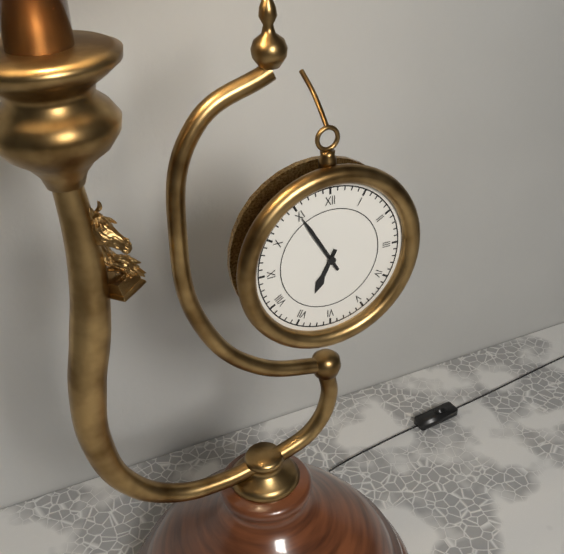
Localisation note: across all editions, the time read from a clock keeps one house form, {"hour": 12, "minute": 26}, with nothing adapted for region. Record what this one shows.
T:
{"hour": 6, "minute": 55}
